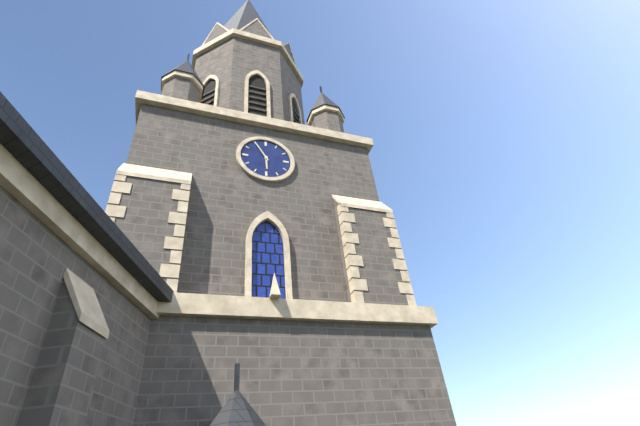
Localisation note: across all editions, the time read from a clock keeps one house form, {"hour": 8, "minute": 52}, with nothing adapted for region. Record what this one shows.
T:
{"hour": 5, "minute": 55}
